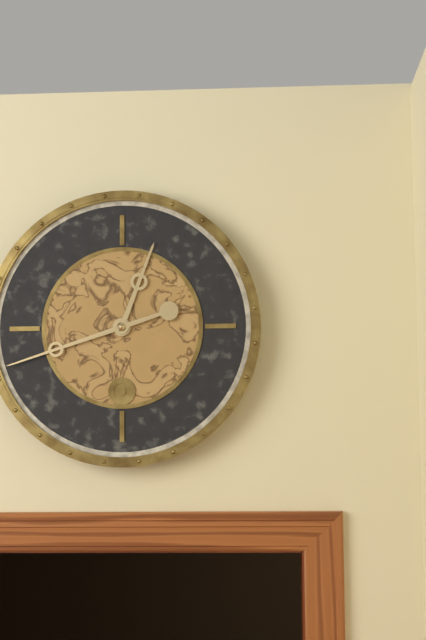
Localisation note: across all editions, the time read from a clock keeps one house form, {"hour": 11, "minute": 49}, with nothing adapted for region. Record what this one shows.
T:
{"hour": 12, "minute": 42}
